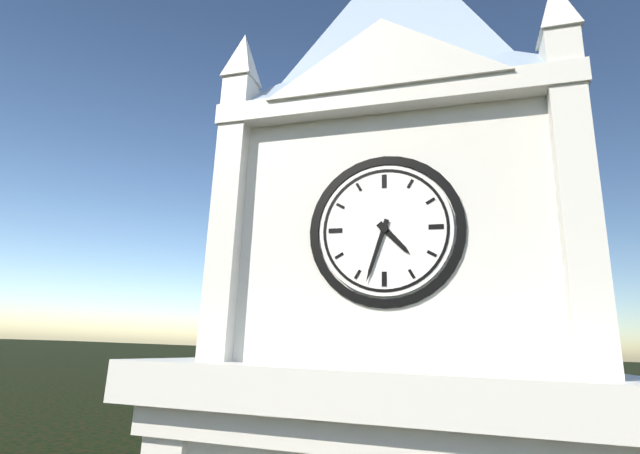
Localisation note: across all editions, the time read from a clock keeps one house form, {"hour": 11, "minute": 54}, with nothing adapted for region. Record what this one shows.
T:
{"hour": 4, "minute": 33}
